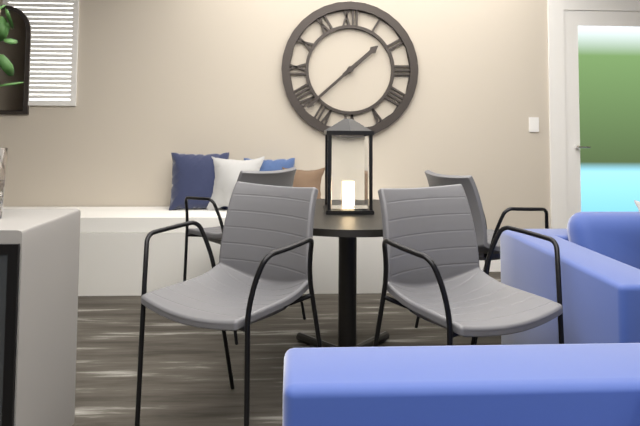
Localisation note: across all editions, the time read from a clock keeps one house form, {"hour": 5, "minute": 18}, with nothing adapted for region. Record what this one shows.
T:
{"hour": 1, "minute": 38}
